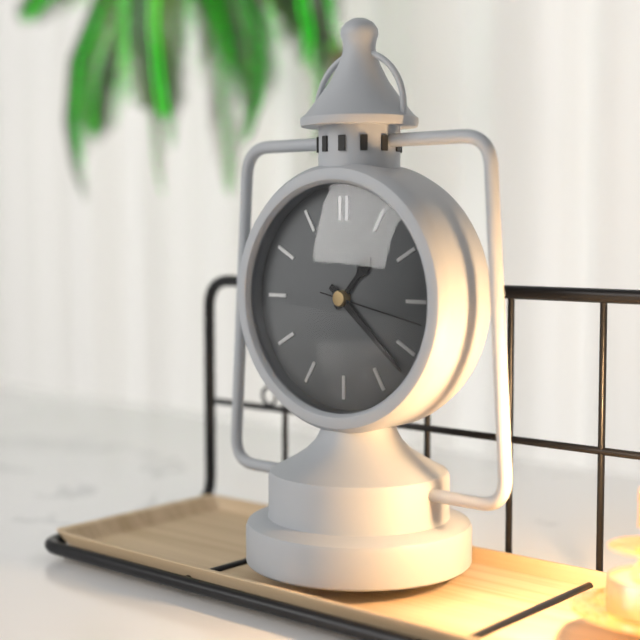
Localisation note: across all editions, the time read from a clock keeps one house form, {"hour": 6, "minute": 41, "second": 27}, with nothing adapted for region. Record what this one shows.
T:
{"hour": 1, "minute": 22, "second": 17}
